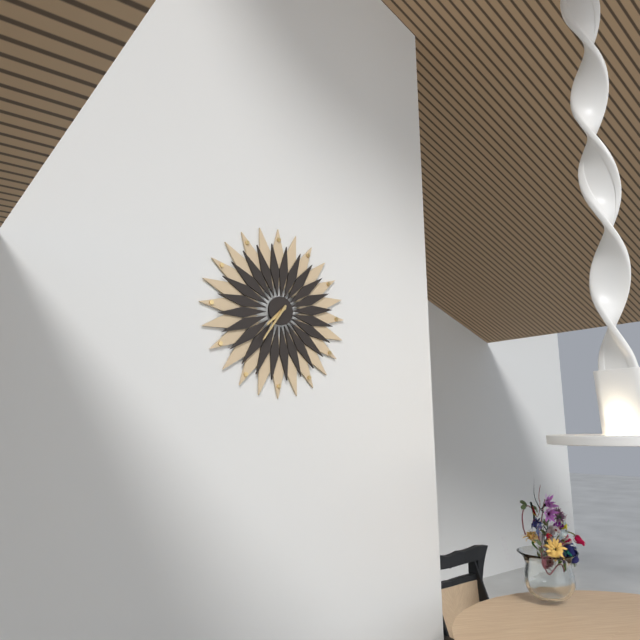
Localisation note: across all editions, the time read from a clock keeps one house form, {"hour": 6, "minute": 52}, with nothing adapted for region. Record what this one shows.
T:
{"hour": 7, "minute": 36}
